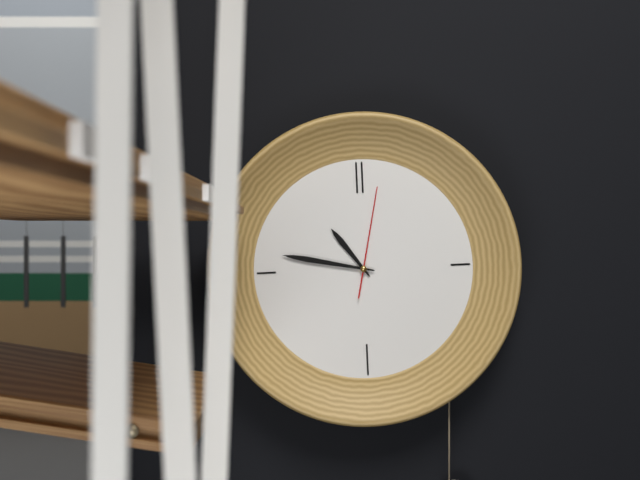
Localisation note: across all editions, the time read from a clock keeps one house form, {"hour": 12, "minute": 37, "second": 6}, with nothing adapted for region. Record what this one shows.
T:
{"hour": 10, "minute": 47, "second": 2}
